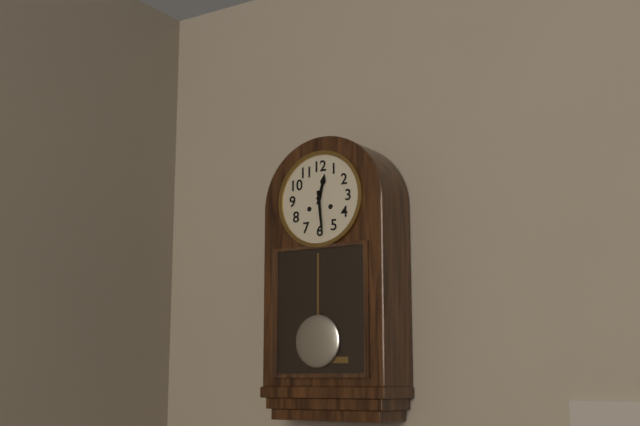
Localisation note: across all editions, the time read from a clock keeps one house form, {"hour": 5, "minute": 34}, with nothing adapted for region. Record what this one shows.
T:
{"hour": 12, "minute": 29}
